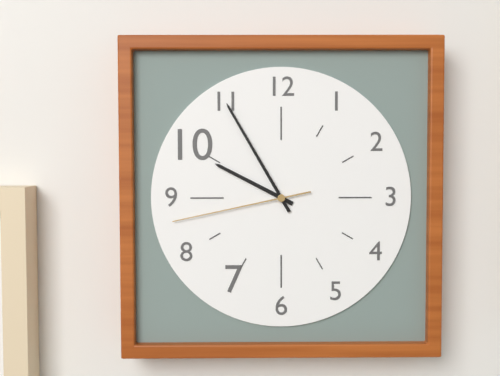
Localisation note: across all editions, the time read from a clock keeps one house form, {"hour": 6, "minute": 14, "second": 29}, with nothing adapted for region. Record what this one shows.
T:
{"hour": 9, "minute": 55, "second": 43}
